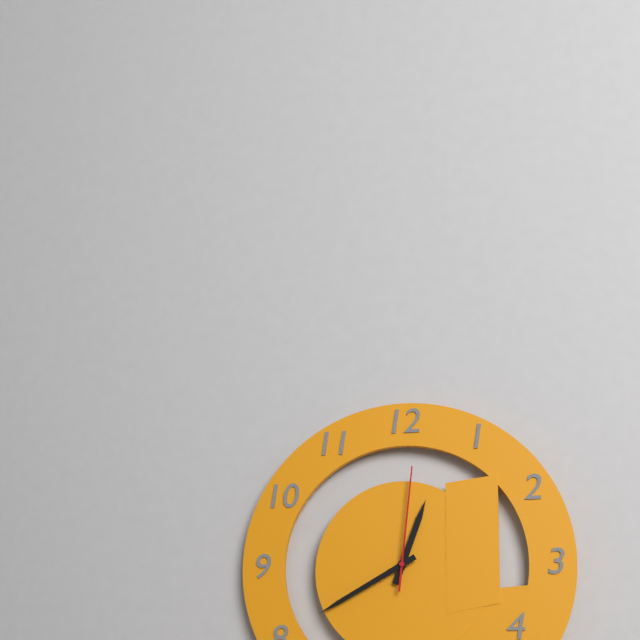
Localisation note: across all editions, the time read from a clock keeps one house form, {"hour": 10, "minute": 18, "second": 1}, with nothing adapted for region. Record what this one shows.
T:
{"hour": 12, "minute": 40, "second": 1}
